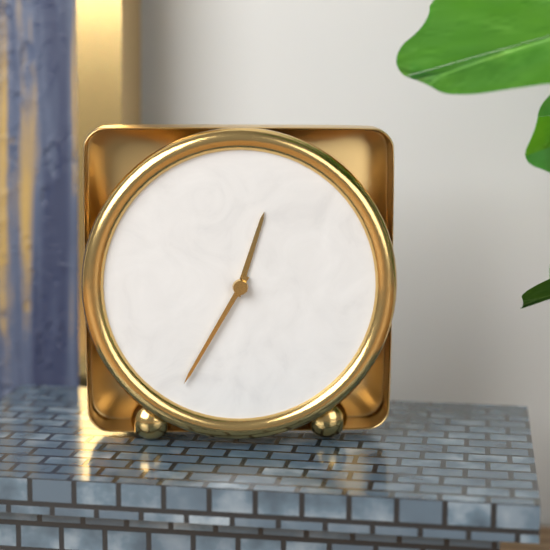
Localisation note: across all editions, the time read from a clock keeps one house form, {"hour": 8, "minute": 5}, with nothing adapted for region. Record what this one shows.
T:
{"hour": 12, "minute": 35}
